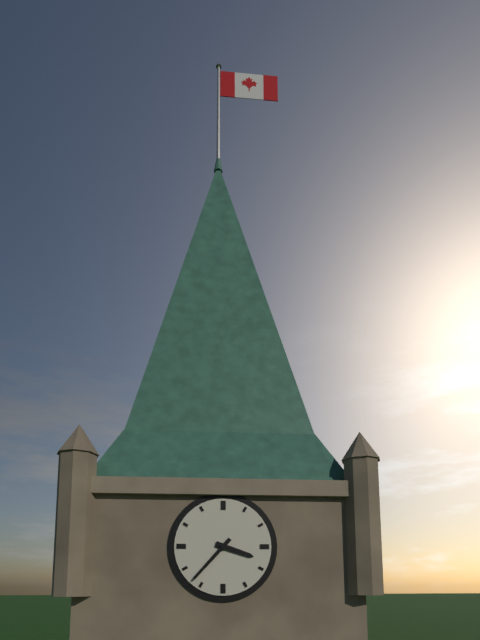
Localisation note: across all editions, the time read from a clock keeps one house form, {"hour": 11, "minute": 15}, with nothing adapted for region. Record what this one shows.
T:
{"hour": 3, "minute": 37}
